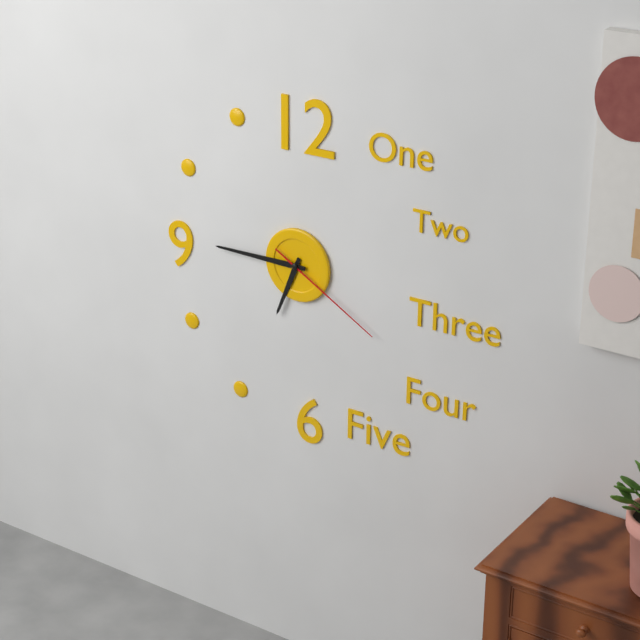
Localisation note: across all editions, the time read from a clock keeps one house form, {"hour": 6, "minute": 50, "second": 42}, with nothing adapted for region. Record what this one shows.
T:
{"hour": 6, "minute": 45, "second": 20}
